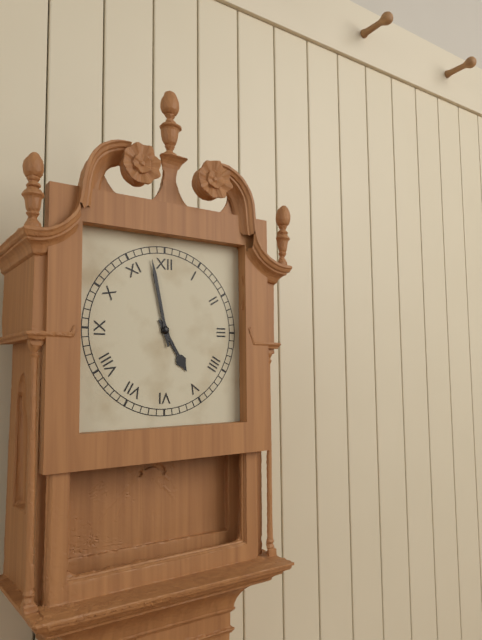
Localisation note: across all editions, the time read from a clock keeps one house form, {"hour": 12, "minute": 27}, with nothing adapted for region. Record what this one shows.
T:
{"hour": 4, "minute": 58}
